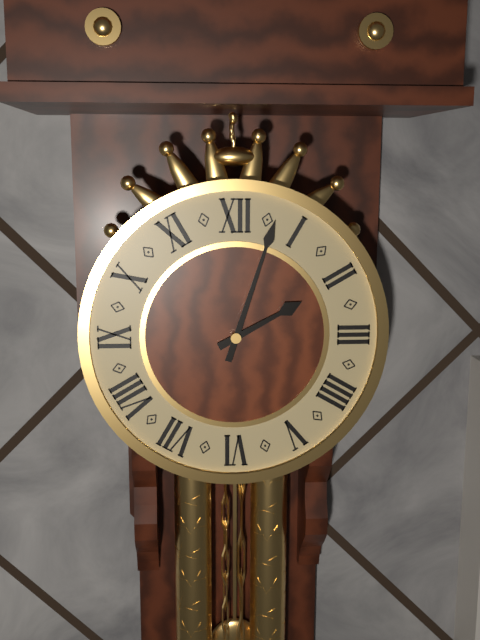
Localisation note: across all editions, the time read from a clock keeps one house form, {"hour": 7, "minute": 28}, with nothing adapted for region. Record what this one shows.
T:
{"hour": 2, "minute": 3}
